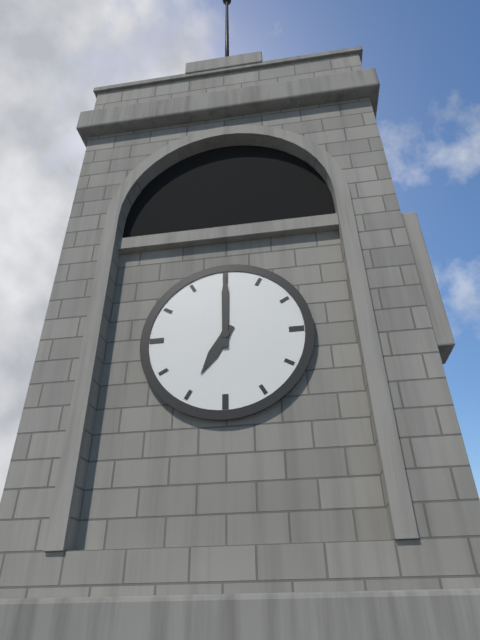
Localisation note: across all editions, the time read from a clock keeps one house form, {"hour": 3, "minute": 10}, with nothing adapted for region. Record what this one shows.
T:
{"hour": 7, "minute": 0}
